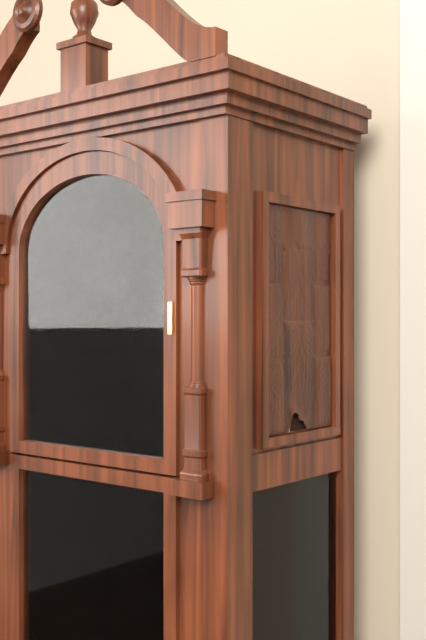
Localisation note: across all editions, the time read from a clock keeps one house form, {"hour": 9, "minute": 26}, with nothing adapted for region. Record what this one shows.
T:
{"hour": 3, "minute": 6}
